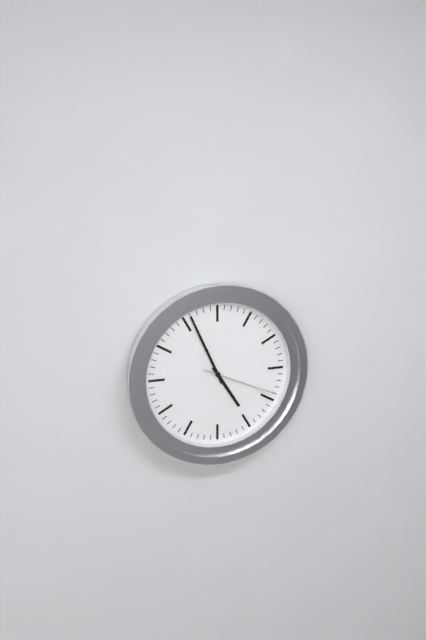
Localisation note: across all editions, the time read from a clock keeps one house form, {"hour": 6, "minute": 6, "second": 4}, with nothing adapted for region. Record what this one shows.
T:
{"hour": 4, "minute": 56, "second": 19}
